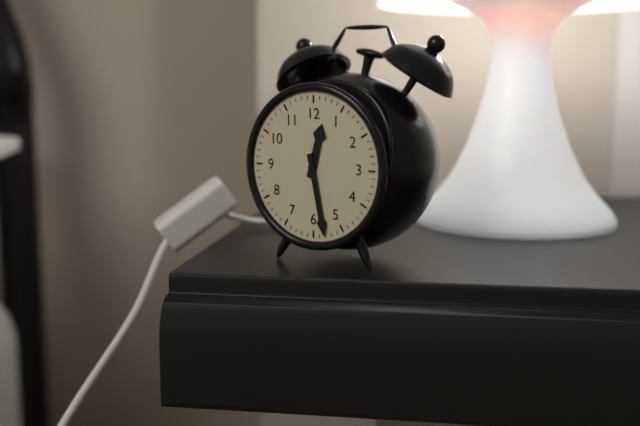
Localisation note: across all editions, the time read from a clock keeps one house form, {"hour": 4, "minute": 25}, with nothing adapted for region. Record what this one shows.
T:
{"hour": 12, "minute": 28}
